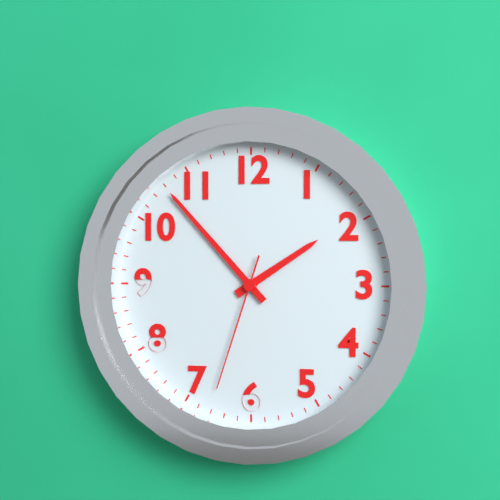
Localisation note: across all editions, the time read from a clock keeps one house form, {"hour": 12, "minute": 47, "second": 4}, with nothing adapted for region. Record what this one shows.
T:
{"hour": 1, "minute": 53, "second": 33}
